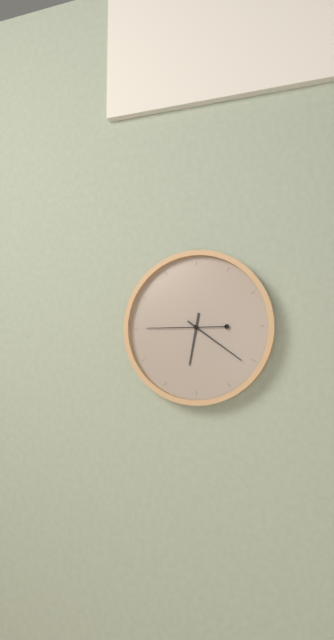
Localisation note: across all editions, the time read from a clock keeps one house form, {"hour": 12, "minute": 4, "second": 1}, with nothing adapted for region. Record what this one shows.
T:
{"hour": 6, "minute": 21, "second": 45}
